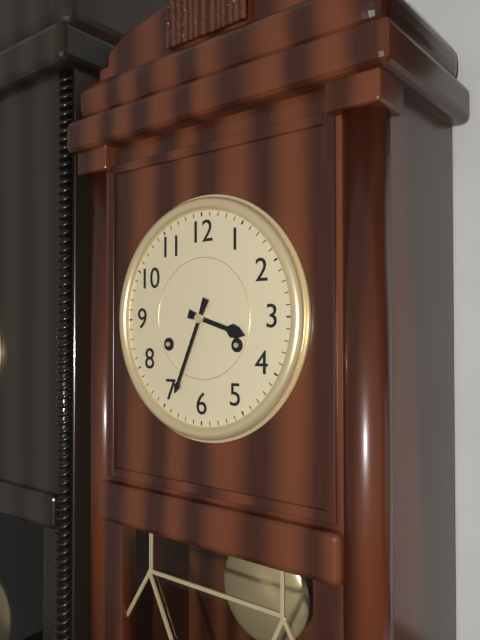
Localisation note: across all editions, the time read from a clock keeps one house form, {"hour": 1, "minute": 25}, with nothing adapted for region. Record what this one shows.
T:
{"hour": 3, "minute": 34}
